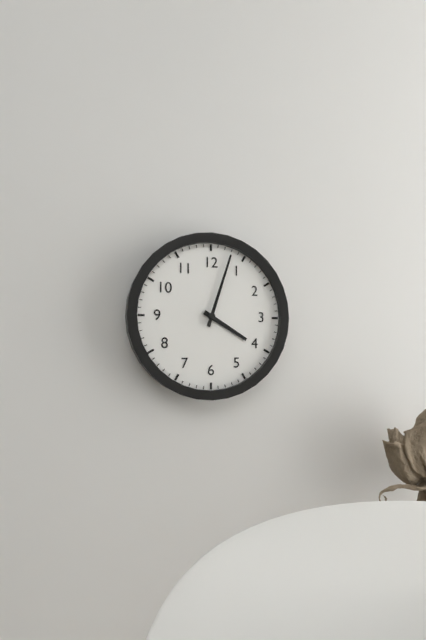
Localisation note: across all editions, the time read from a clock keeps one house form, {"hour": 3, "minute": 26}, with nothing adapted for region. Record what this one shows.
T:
{"hour": 4, "minute": 3}
